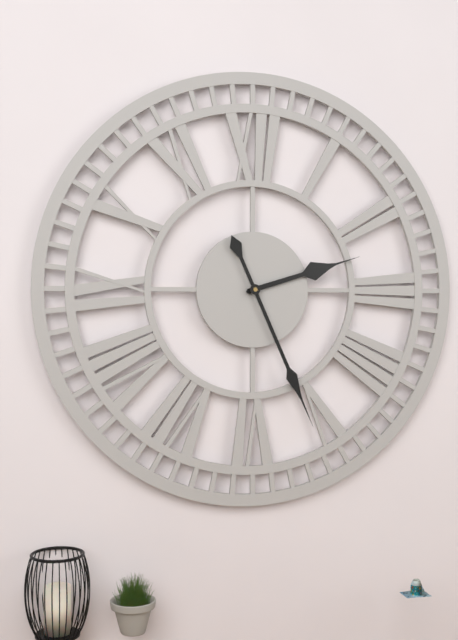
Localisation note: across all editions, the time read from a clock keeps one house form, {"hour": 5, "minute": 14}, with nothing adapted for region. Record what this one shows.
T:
{"hour": 2, "minute": 26}
